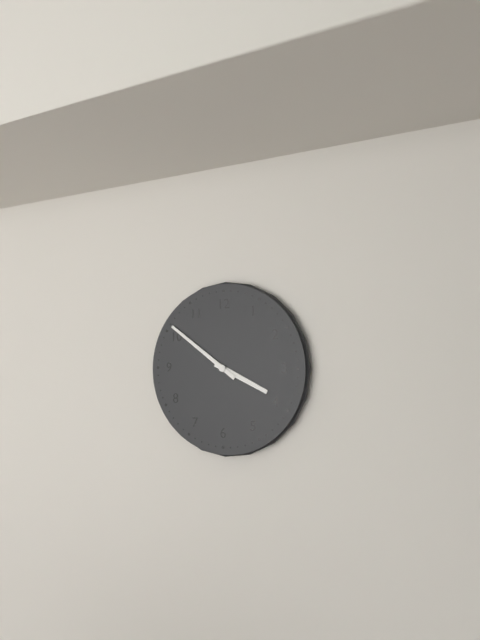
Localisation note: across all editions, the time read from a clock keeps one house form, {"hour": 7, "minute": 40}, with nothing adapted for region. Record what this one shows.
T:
{"hour": 3, "minute": 51}
